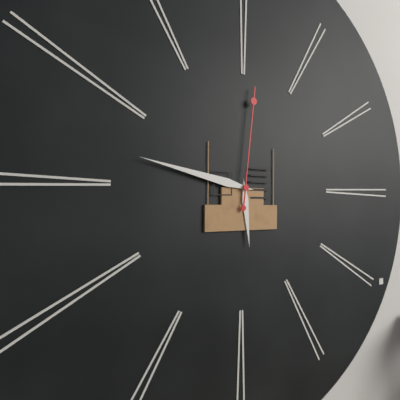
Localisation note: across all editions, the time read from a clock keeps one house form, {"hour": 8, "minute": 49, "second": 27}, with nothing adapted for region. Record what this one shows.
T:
{"hour": 5, "minute": 47, "second": 1}
